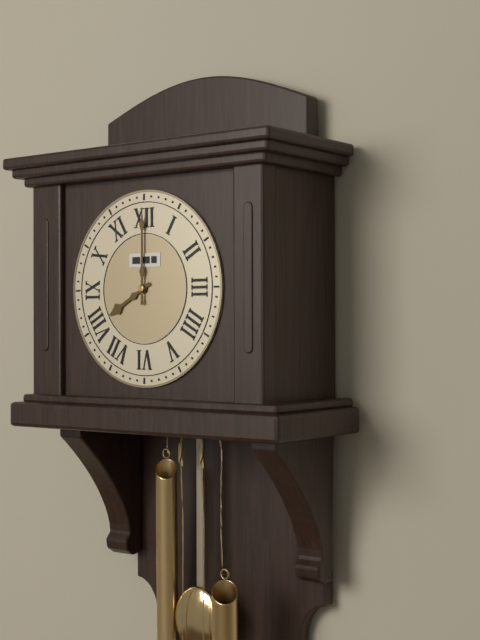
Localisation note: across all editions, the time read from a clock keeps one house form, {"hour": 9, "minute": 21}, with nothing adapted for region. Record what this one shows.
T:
{"hour": 8, "minute": 0}
